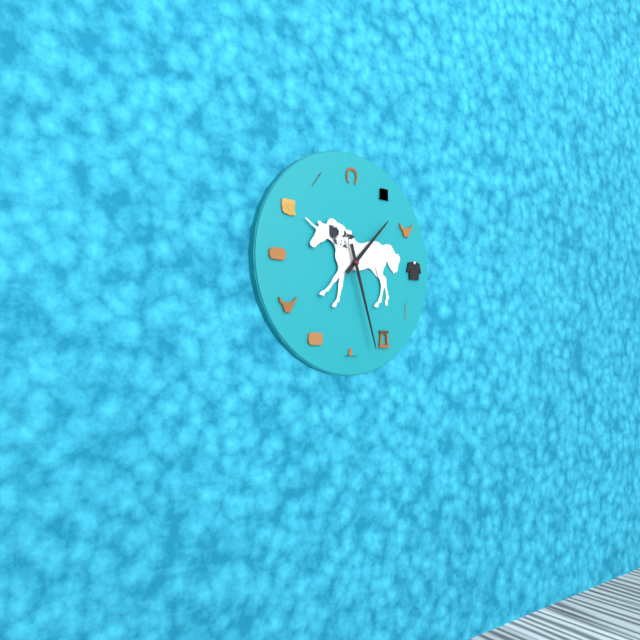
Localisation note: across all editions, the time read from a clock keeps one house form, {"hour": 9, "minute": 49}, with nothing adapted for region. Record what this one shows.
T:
{"hour": 1, "minute": 27}
